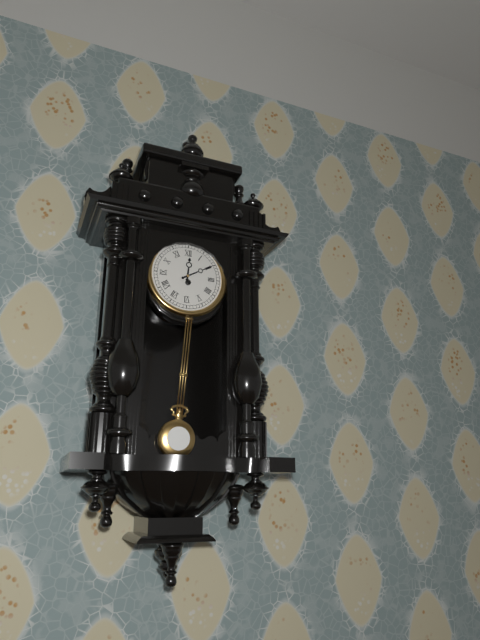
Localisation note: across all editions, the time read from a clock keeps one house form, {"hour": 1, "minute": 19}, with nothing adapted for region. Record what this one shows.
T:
{"hour": 12, "minute": 10}
